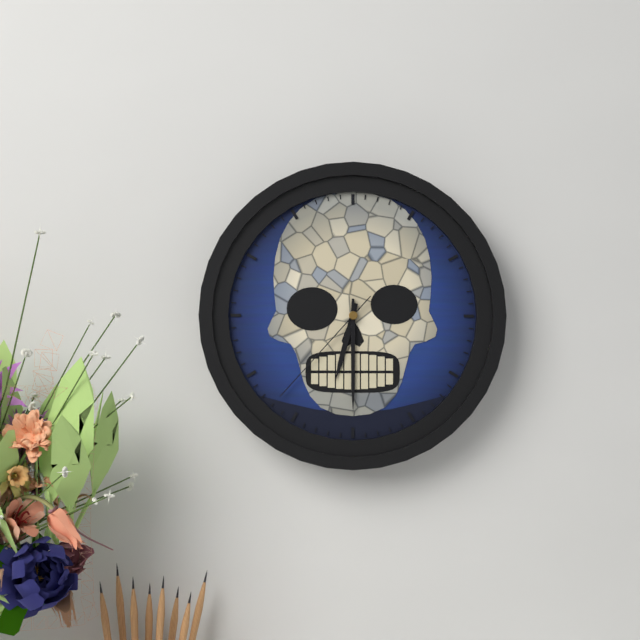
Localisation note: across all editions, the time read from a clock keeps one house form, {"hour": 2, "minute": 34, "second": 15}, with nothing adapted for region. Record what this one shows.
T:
{"hour": 6, "minute": 30, "second": 37}
